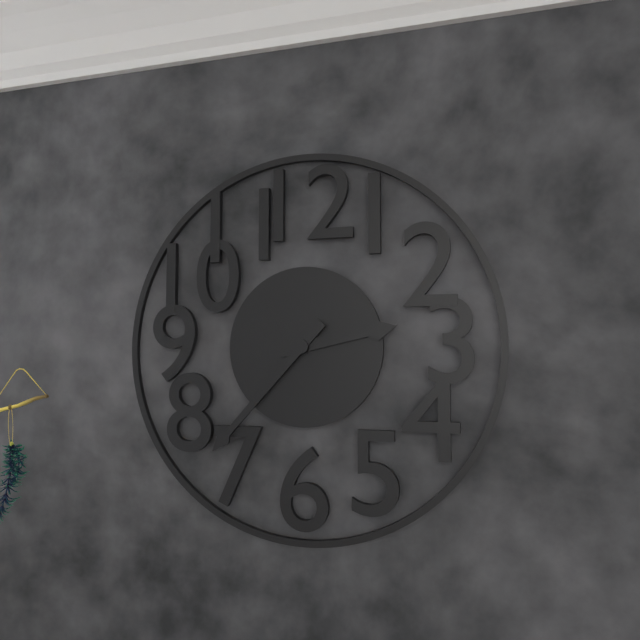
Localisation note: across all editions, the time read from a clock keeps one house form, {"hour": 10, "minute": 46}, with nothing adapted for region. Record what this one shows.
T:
{"hour": 2, "minute": 37}
